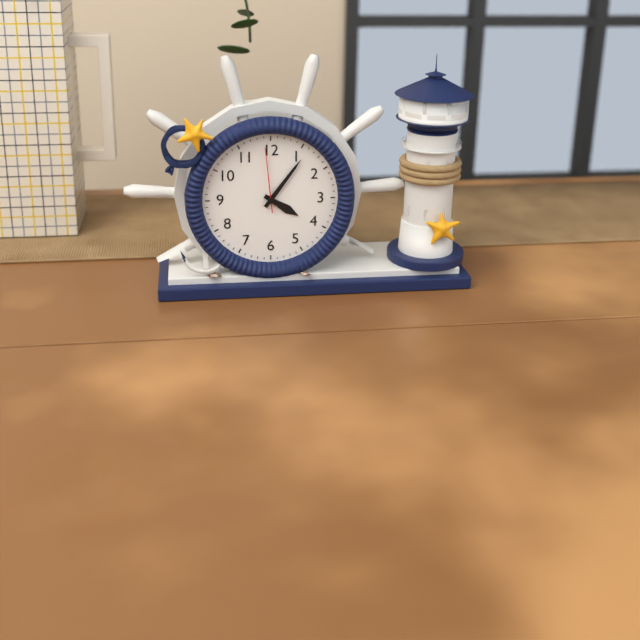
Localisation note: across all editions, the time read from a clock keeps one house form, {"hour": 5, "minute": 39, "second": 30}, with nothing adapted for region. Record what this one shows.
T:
{"hour": 4, "minute": 6, "second": 59}
